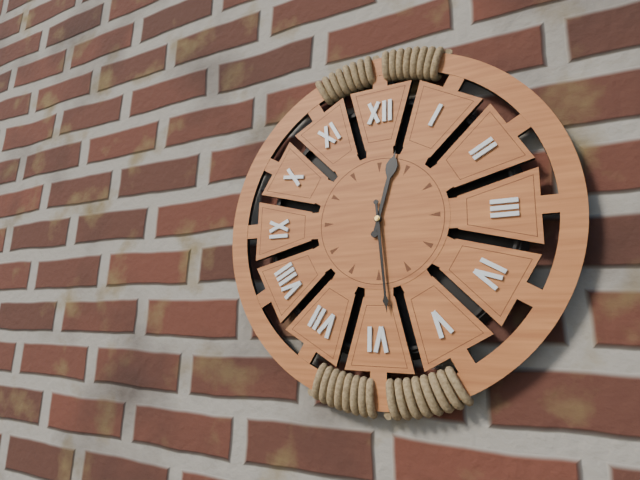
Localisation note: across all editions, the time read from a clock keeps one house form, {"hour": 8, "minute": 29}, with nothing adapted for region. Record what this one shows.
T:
{"hour": 12, "minute": 29}
